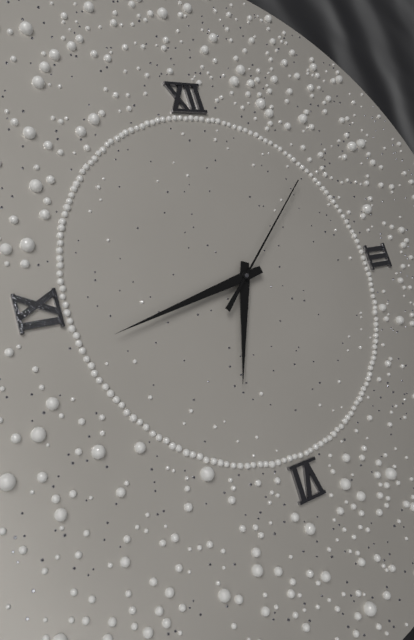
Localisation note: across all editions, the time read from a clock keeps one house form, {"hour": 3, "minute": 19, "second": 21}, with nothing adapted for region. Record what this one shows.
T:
{"hour": 6, "minute": 43, "second": 8}
